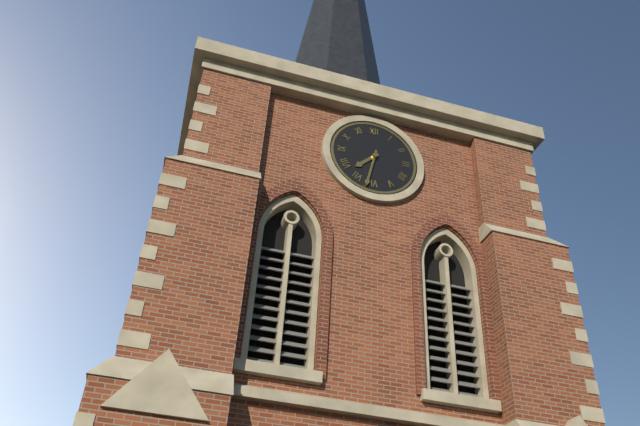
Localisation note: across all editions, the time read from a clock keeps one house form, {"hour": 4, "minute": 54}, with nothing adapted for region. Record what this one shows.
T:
{"hour": 7, "minute": 32}
